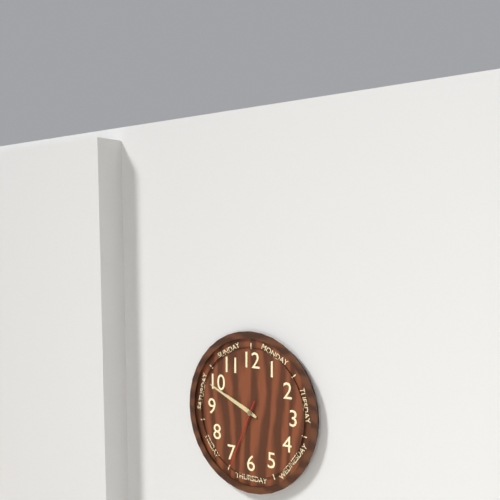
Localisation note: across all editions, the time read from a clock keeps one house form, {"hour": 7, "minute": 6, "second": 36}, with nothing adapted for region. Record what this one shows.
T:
{"hour": 9, "minute": 49, "second": 34}
